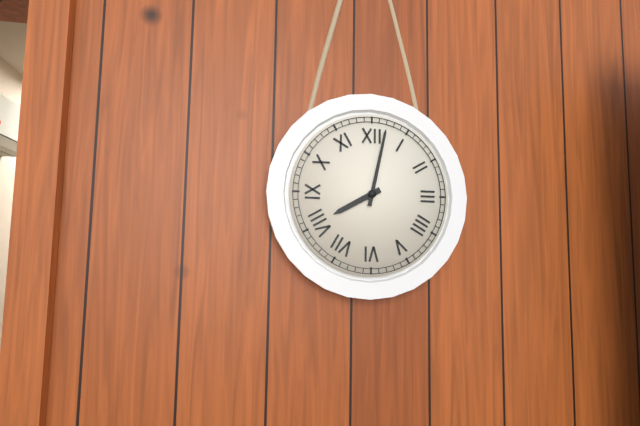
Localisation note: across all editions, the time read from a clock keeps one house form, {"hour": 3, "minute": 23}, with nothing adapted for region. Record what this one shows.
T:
{"hour": 8, "minute": 2}
